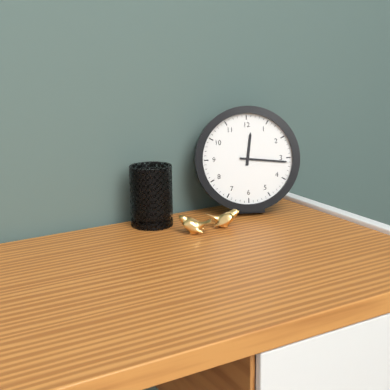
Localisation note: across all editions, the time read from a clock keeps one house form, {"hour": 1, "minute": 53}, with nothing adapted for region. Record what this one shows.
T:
{"hour": 12, "minute": 16}
